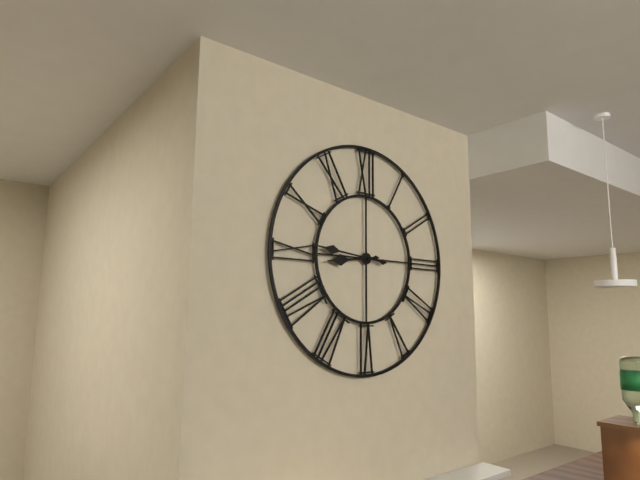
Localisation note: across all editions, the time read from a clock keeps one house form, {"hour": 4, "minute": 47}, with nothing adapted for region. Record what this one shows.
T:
{"hour": 8, "minute": 46}
